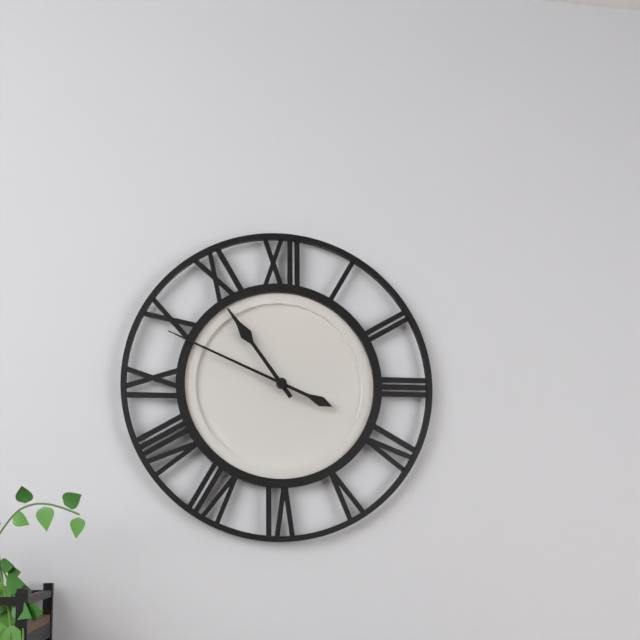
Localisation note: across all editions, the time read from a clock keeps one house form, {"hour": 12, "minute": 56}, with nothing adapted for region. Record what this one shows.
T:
{"hour": 10, "minute": 49}
